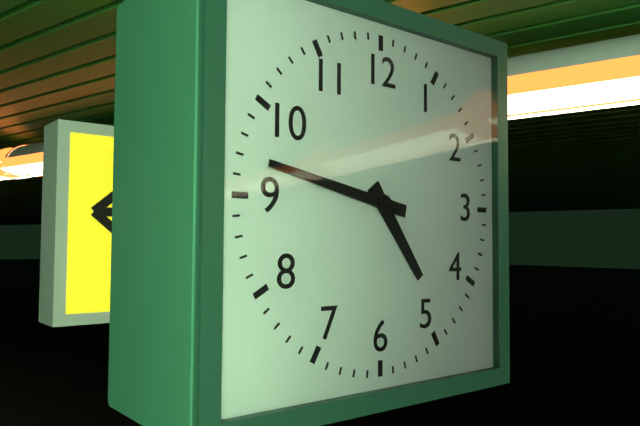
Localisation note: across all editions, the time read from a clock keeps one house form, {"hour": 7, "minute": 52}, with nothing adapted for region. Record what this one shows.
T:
{"hour": 4, "minute": 47}
